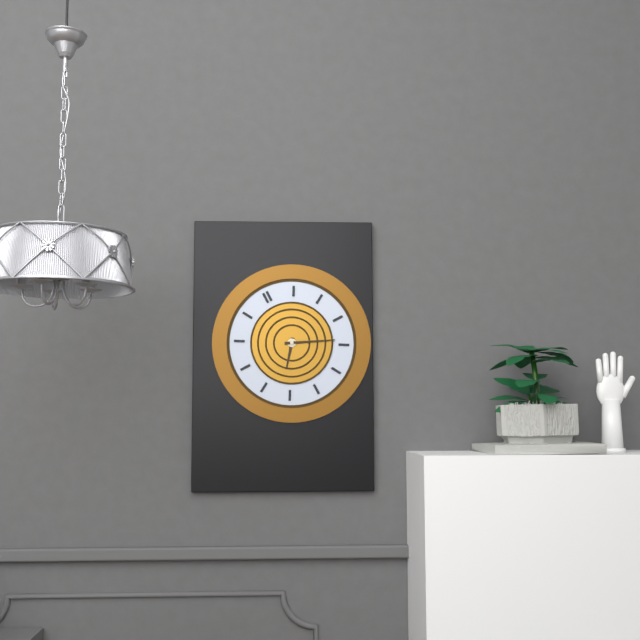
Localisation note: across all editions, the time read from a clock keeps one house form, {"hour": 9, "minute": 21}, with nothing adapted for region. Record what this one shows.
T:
{"hour": 7, "minute": 19}
